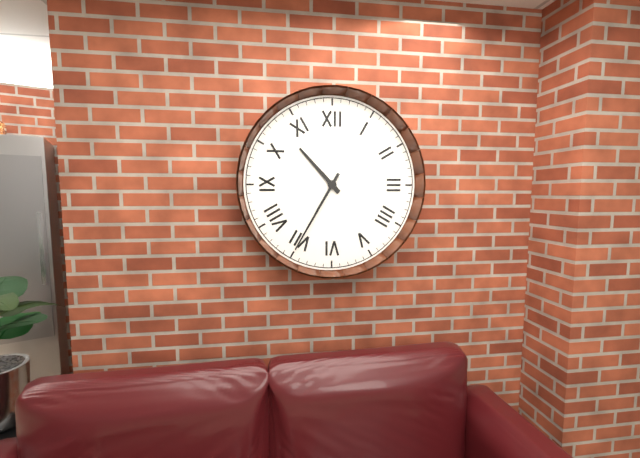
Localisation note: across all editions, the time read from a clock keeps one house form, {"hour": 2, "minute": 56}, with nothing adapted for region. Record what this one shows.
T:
{"hour": 10, "minute": 35}
